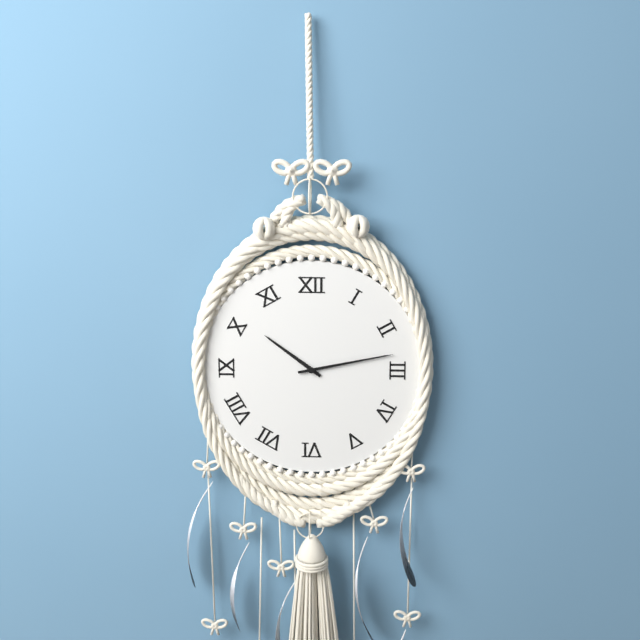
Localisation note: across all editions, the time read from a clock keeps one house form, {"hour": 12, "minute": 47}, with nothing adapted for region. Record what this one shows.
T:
{"hour": 10, "minute": 13}
